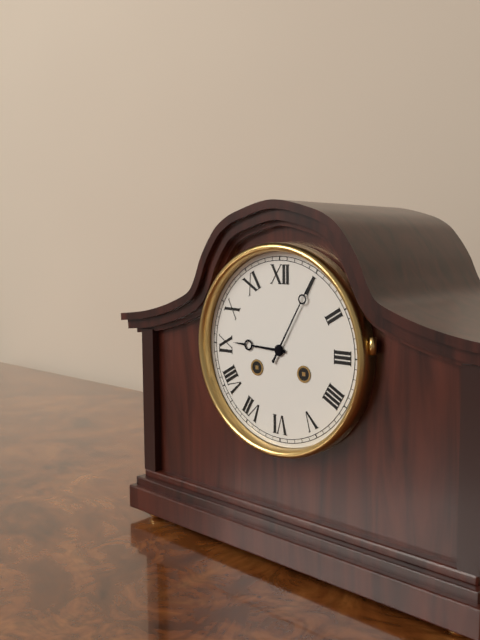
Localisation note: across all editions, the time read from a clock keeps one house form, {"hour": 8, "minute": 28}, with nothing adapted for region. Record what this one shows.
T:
{"hour": 9, "minute": 5}
